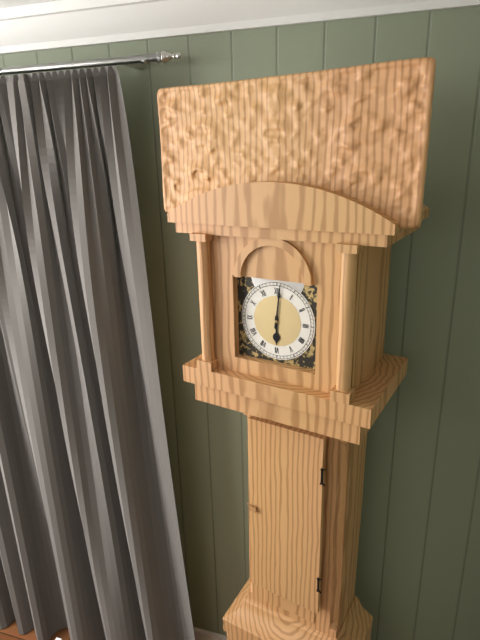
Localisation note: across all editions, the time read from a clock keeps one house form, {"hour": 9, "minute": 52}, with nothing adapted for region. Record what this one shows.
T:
{"hour": 6, "minute": 1}
